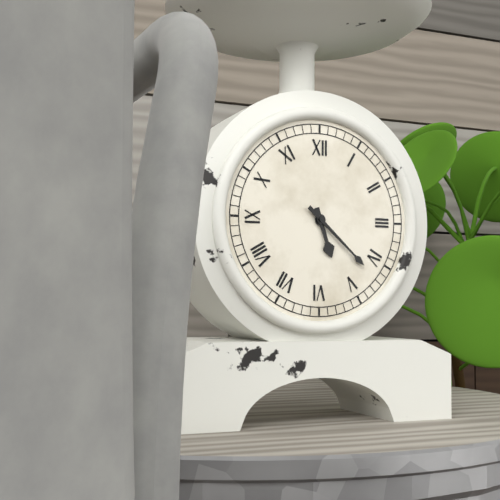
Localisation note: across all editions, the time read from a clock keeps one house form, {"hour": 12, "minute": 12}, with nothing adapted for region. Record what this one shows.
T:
{"hour": 5, "minute": 22}
